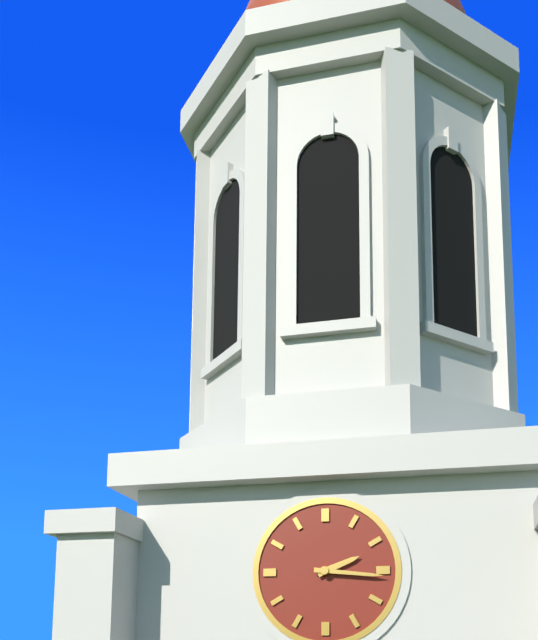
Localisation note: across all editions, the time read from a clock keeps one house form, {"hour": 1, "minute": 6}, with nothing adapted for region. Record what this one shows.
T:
{"hour": 2, "minute": 16}
